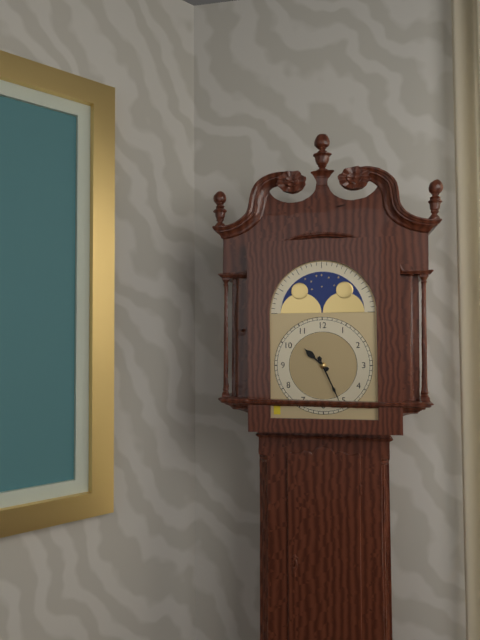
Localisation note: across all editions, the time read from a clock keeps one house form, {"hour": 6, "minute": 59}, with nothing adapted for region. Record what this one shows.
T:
{"hour": 10, "minute": 26}
